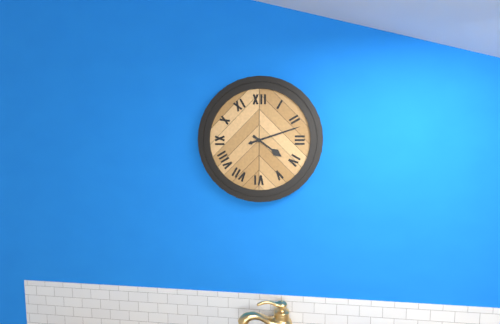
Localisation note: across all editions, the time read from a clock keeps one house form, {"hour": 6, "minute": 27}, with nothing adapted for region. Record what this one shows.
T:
{"hour": 4, "minute": 12}
